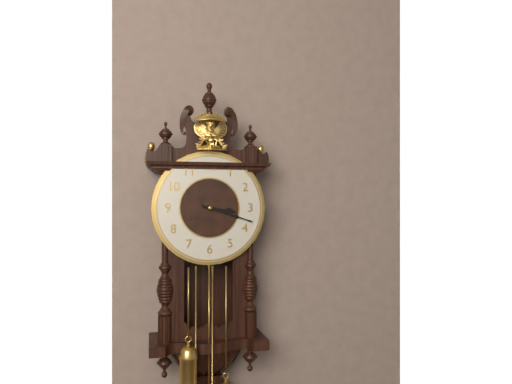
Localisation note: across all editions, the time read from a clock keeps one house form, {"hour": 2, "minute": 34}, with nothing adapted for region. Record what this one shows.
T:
{"hour": 3, "minute": 18}
